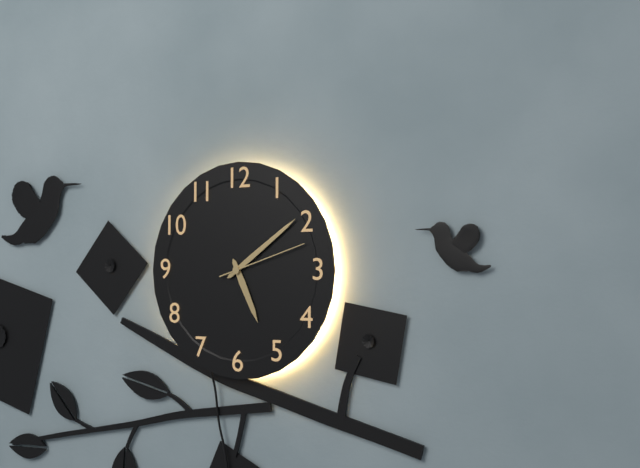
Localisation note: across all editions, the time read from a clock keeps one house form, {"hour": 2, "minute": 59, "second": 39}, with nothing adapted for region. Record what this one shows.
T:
{"hour": 5, "minute": 9, "second": 12}
